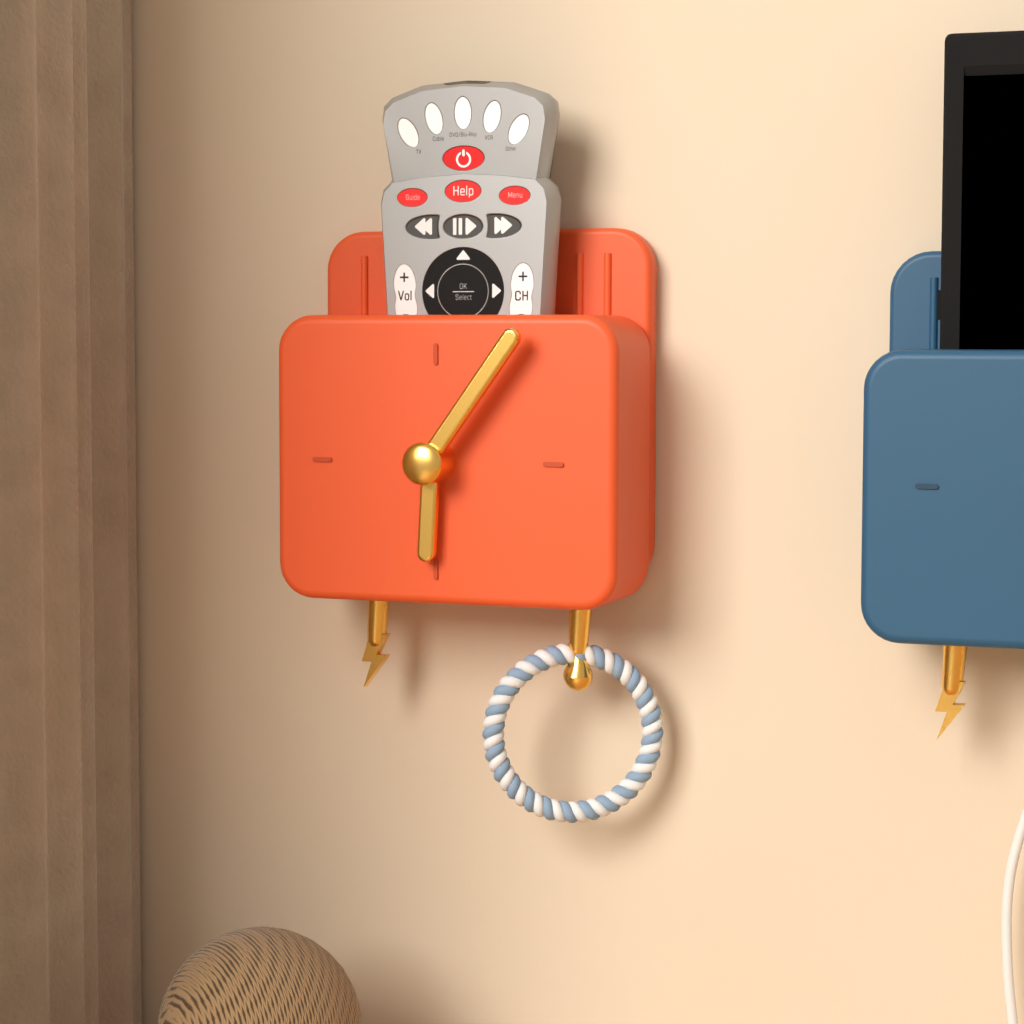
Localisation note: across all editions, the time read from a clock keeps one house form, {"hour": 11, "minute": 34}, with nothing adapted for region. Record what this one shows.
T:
{"hour": 6, "minute": 6}
